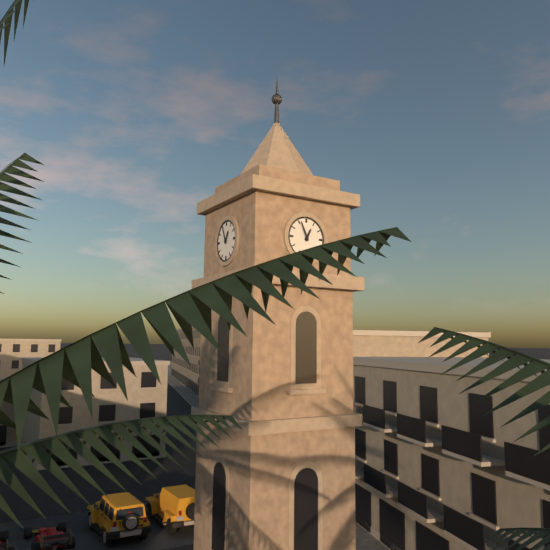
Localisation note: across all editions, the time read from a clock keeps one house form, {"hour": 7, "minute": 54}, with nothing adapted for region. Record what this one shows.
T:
{"hour": 12, "minute": 56}
